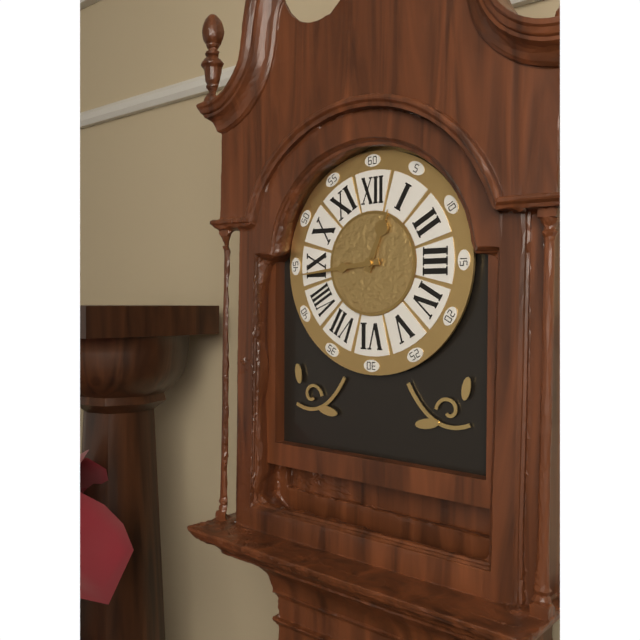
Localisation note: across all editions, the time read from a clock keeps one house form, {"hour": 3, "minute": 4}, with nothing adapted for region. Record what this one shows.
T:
{"hour": 12, "minute": 44}
